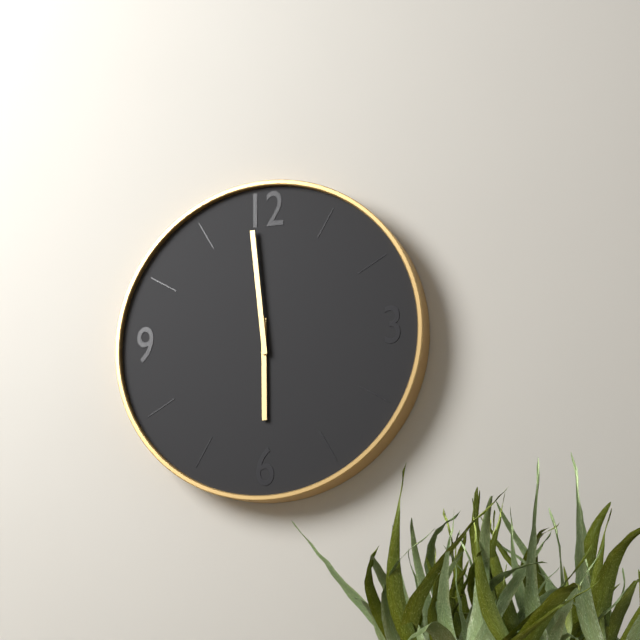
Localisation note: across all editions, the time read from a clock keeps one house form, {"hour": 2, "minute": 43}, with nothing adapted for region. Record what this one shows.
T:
{"hour": 5, "minute": 59}
